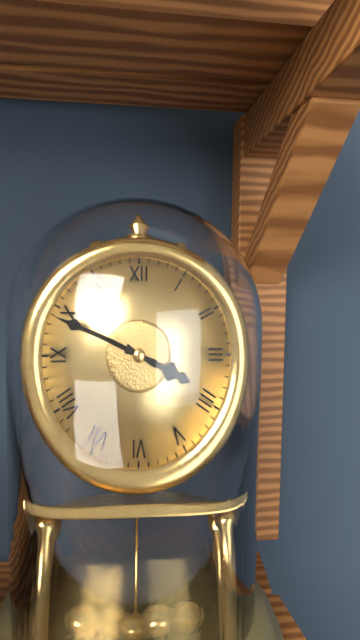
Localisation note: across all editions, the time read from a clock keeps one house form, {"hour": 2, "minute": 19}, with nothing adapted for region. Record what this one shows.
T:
{"hour": 3, "minute": 49}
